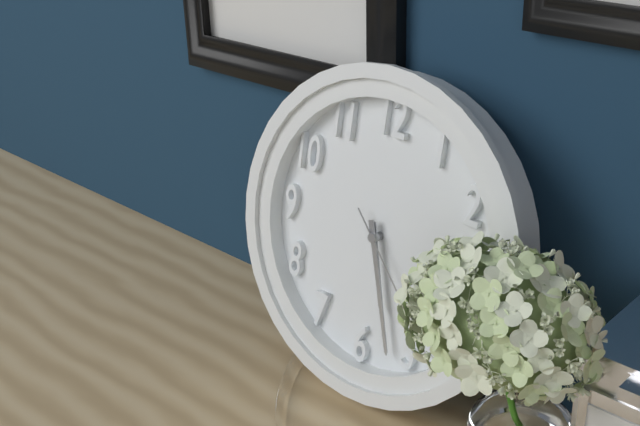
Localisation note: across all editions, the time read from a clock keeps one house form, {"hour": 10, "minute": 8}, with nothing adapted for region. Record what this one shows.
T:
{"hour": 5, "minute": 27}
